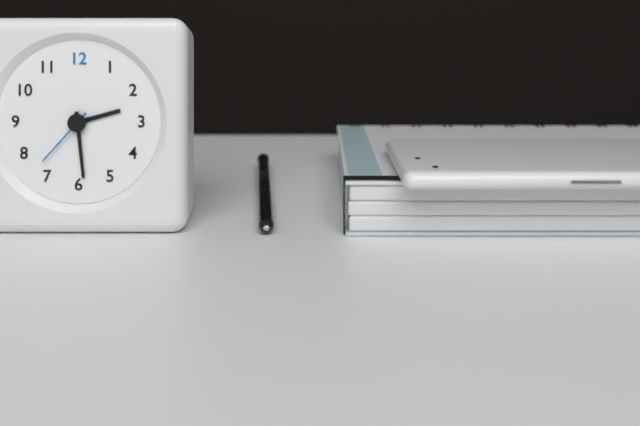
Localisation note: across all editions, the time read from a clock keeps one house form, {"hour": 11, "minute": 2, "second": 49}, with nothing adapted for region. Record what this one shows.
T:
{"hour": 2, "minute": 29, "second": 37}
